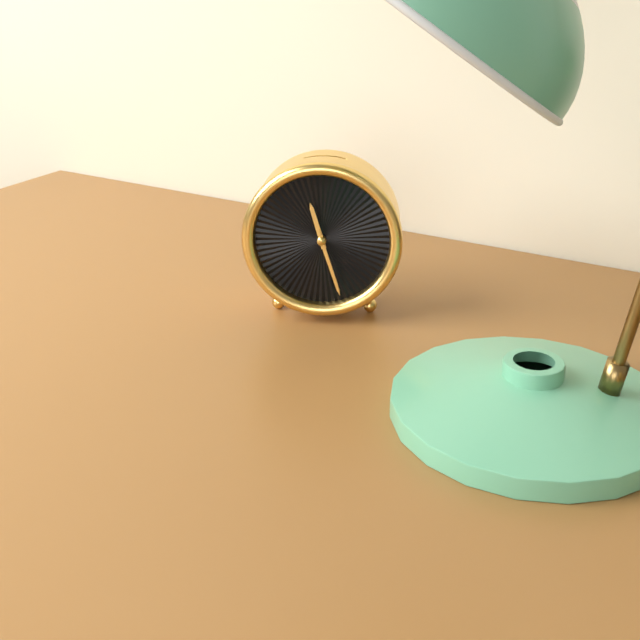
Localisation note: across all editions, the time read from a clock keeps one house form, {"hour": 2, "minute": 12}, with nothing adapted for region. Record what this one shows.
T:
{"hour": 11, "minute": 27}
